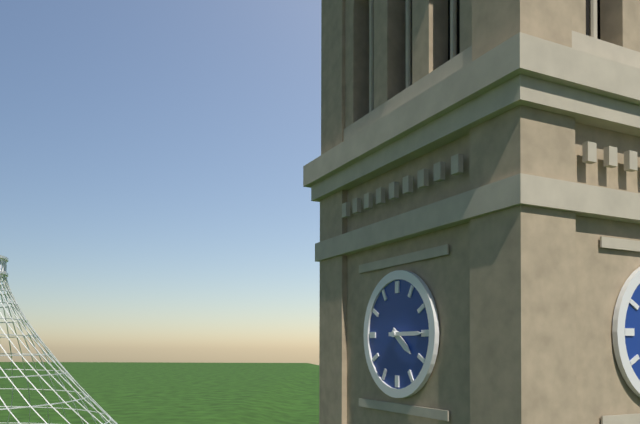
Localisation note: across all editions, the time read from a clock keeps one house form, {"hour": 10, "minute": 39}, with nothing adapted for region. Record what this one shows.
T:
{"hour": 4, "minute": 15}
